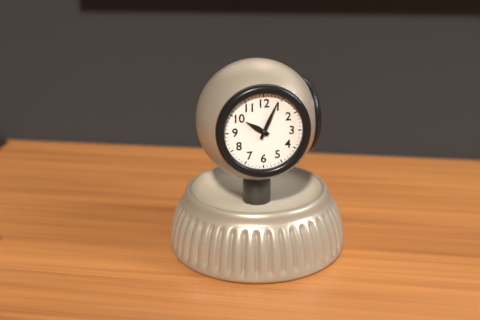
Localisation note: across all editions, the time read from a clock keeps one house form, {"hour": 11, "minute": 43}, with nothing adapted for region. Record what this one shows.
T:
{"hour": 10, "minute": 4}
